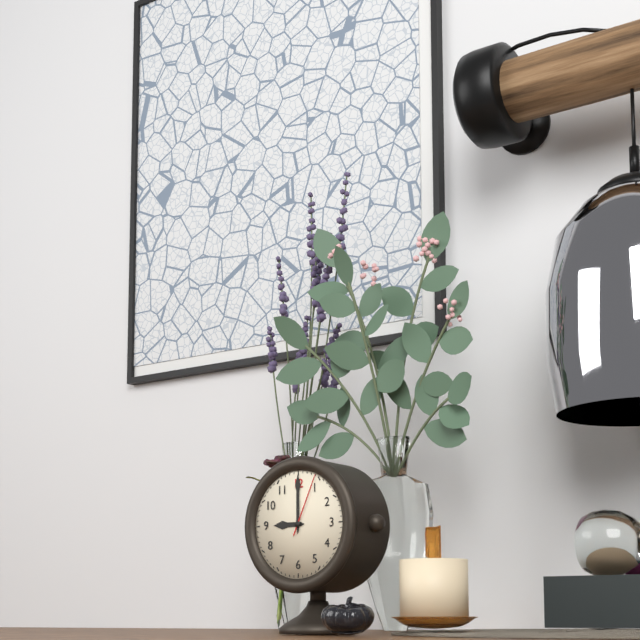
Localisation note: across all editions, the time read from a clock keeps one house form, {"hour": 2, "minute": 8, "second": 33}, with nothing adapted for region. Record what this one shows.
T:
{"hour": 9, "minute": 0, "second": 4}
